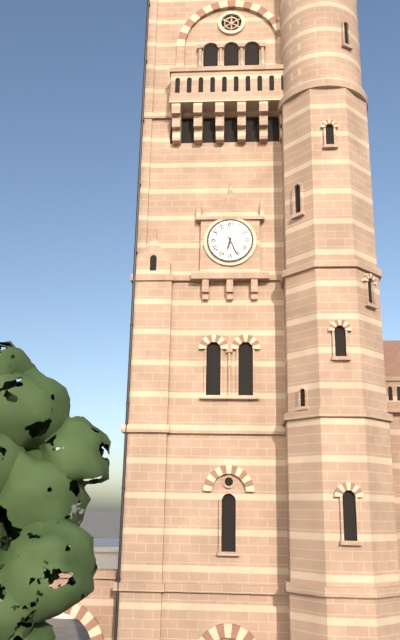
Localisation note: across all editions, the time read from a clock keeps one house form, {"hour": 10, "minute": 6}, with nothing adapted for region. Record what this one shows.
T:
{"hour": 6, "minute": 26}
